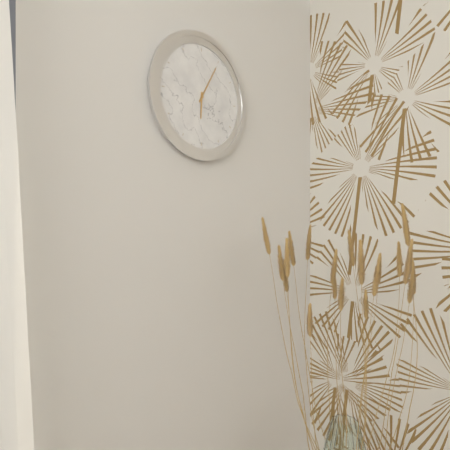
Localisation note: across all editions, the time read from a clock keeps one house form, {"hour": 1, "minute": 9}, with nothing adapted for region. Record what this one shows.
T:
{"hour": 6, "minute": 5}
